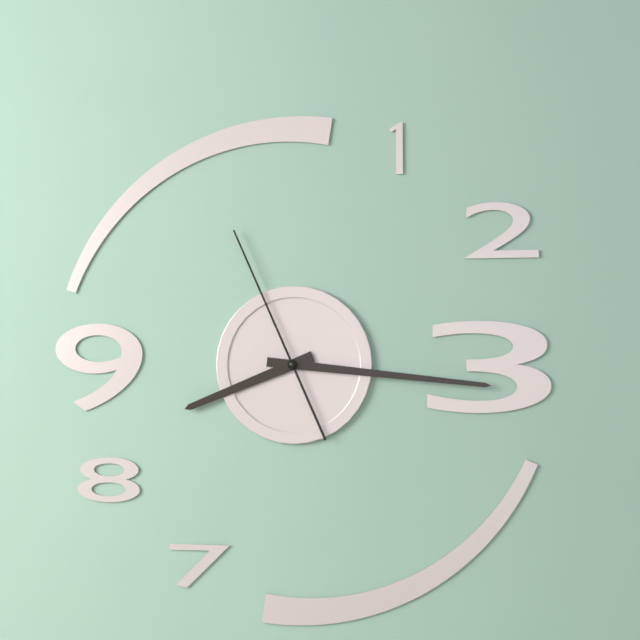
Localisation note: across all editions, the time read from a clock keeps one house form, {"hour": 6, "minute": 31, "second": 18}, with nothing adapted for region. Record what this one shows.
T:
{"hour": 8, "minute": 16, "second": 56}
